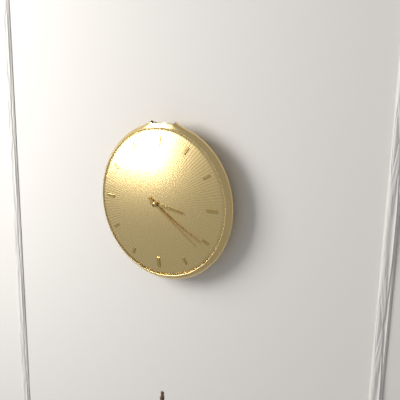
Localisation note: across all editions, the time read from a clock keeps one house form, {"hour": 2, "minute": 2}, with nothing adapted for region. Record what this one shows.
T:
{"hour": 3, "minute": 21}
